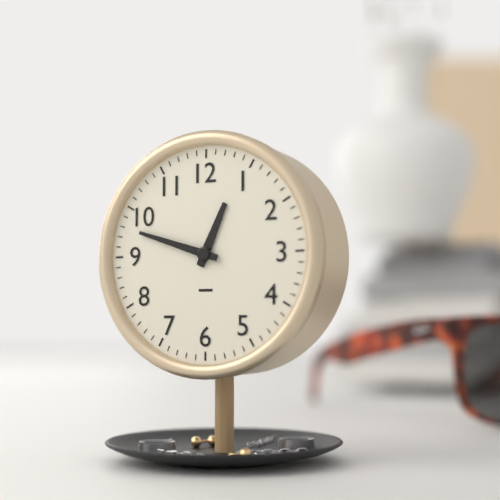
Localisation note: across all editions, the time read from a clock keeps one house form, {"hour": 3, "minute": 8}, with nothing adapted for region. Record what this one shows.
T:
{"hour": 12, "minute": 48}
